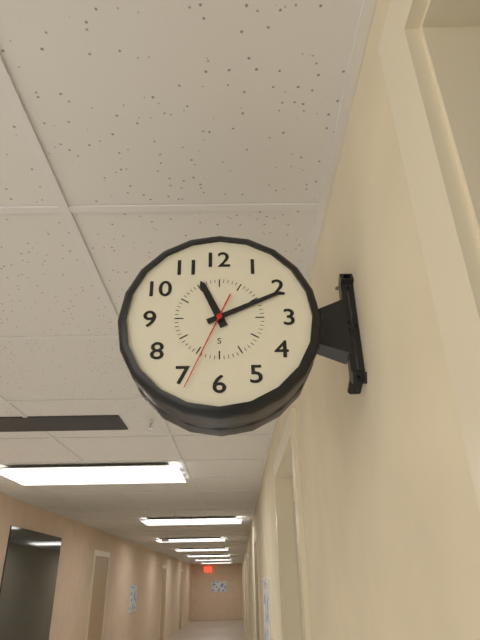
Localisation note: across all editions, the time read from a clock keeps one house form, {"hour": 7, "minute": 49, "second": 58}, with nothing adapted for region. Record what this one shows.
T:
{"hour": 11, "minute": 11, "second": 34}
